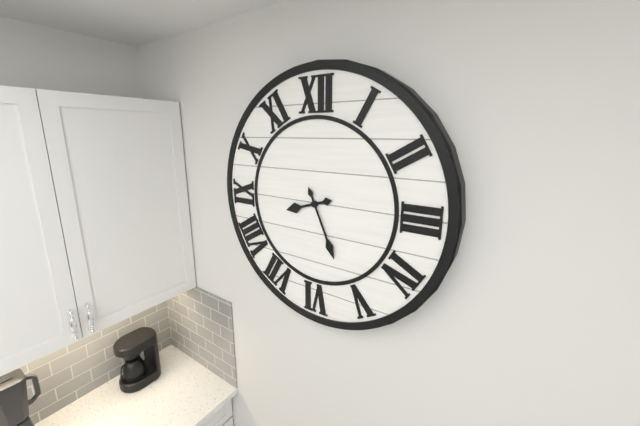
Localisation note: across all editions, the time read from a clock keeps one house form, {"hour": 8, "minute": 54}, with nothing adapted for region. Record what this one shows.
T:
{"hour": 8, "minute": 26}
